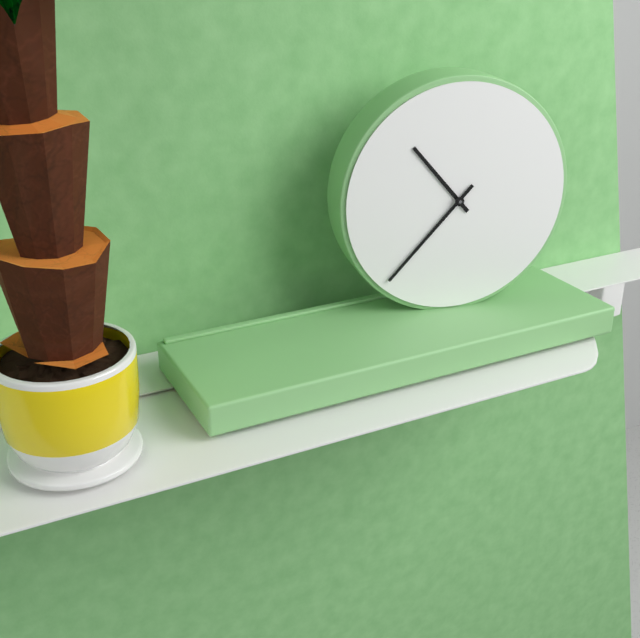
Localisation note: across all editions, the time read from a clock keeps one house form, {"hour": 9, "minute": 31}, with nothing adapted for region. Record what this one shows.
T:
{"hour": 10, "minute": 37}
